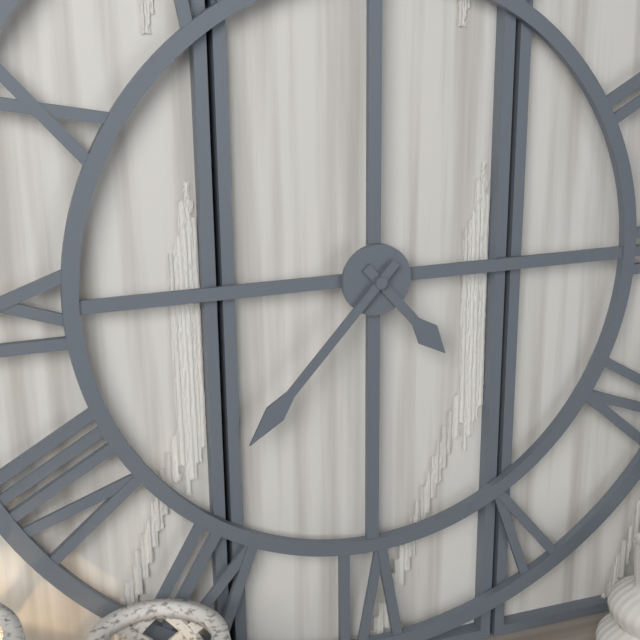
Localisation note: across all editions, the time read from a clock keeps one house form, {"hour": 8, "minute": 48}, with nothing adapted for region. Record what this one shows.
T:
{"hour": 4, "minute": 37}
